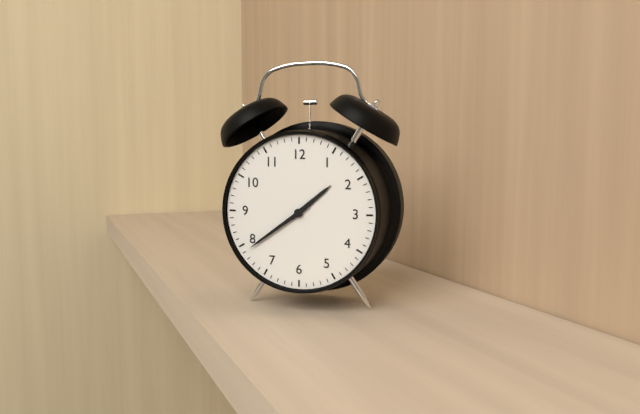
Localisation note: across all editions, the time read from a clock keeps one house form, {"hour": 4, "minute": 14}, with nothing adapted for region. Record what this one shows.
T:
{"hour": 1, "minute": 39}
